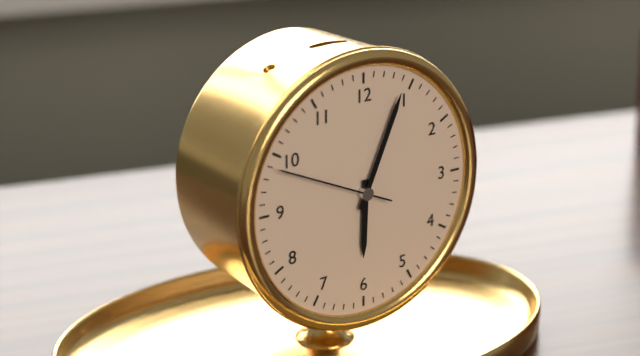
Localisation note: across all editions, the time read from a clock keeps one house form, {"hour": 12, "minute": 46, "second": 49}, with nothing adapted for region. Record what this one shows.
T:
{"hour": 6, "minute": 4, "second": 49}
